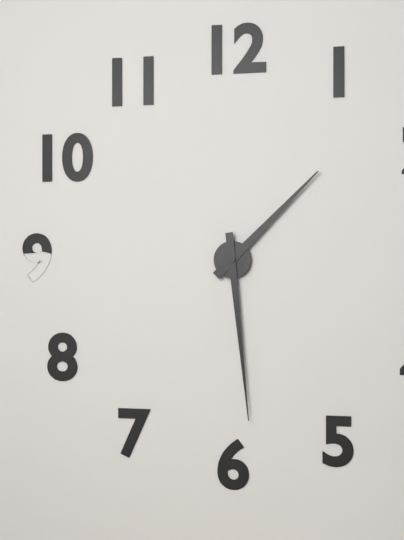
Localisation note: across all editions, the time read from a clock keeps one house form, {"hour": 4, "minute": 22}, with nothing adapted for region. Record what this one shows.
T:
{"hour": 1, "minute": 29}
